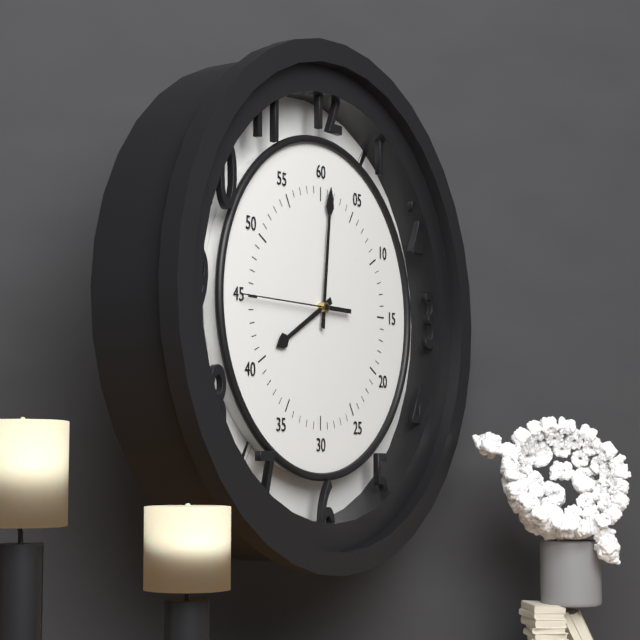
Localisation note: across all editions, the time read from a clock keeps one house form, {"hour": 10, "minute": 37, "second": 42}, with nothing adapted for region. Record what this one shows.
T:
{"hour": 8, "minute": 1, "second": 45}
